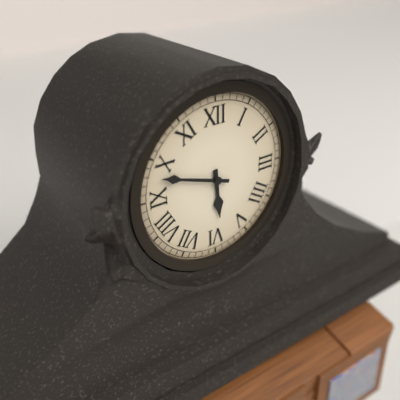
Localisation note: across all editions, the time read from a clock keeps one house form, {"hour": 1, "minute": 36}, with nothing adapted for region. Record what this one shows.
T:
{"hour": 5, "minute": 48}
